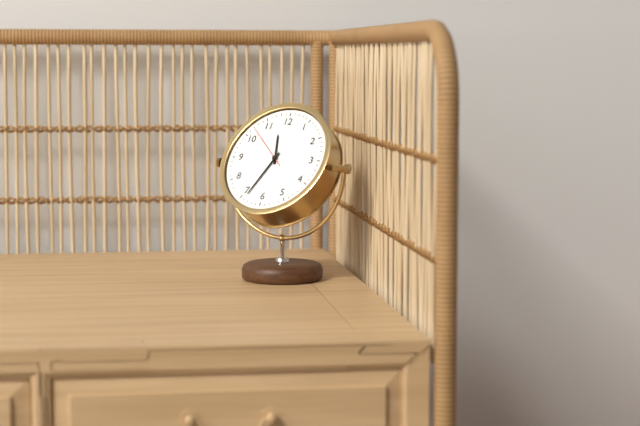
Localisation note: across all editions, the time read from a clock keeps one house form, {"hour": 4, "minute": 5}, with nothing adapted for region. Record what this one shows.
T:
{"hour": 11, "minute": 34}
